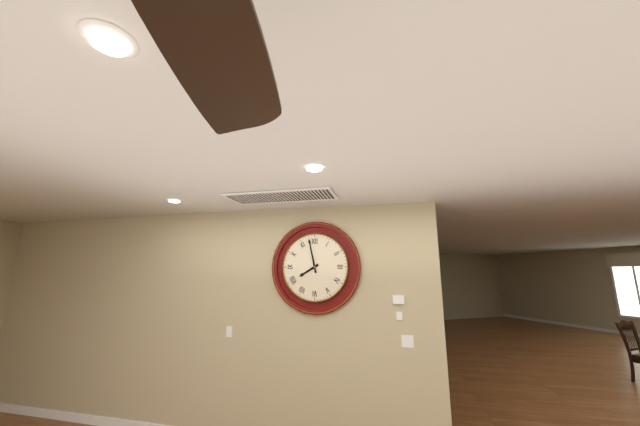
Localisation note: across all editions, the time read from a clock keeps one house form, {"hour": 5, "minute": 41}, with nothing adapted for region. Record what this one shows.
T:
{"hour": 7, "minute": 58}
